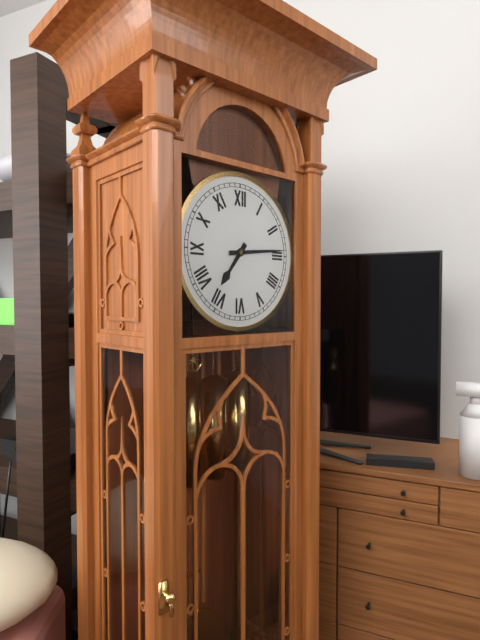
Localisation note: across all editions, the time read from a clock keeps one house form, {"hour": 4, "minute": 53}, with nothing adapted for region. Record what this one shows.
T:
{"hour": 7, "minute": 14}
